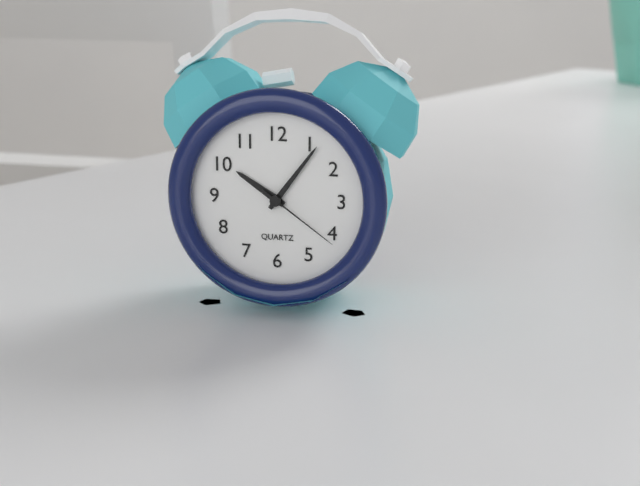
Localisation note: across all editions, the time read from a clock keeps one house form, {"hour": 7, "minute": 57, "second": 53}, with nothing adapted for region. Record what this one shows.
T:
{"hour": 10, "minute": 6, "second": 21}
